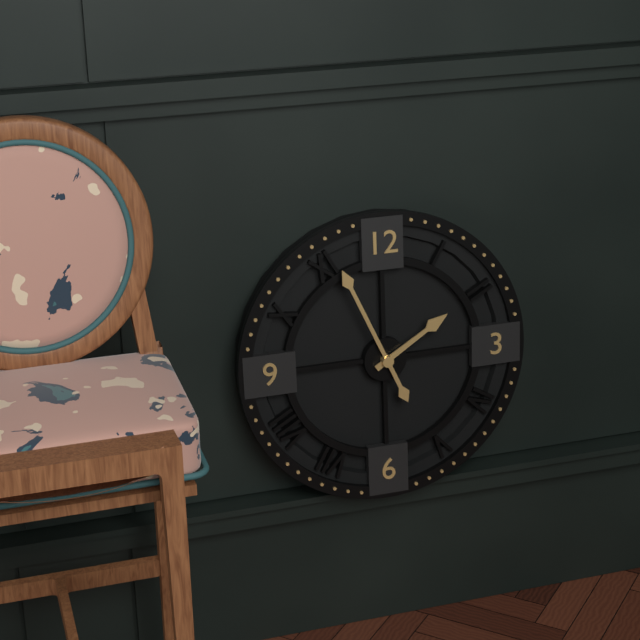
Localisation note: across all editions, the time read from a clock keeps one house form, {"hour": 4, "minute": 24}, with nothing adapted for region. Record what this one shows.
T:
{"hour": 1, "minute": 56}
